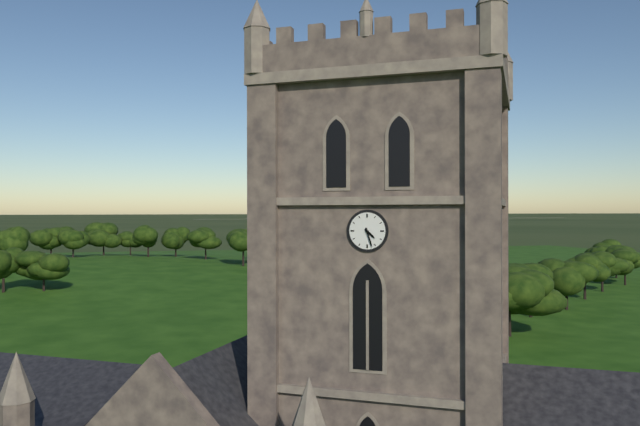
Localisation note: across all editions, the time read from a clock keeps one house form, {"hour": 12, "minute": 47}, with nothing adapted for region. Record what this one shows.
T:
{"hour": 4, "minute": 27}
